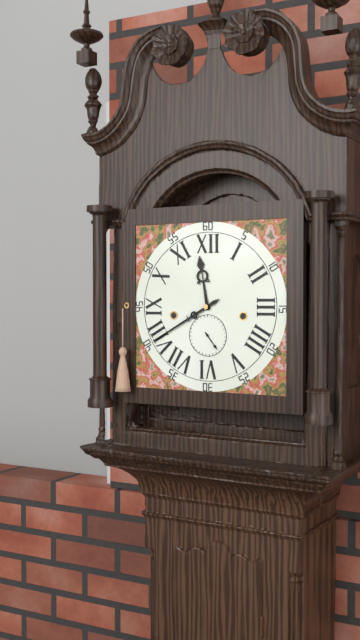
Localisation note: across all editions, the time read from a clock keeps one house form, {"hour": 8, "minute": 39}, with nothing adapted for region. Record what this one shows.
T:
{"hour": 11, "minute": 40}
